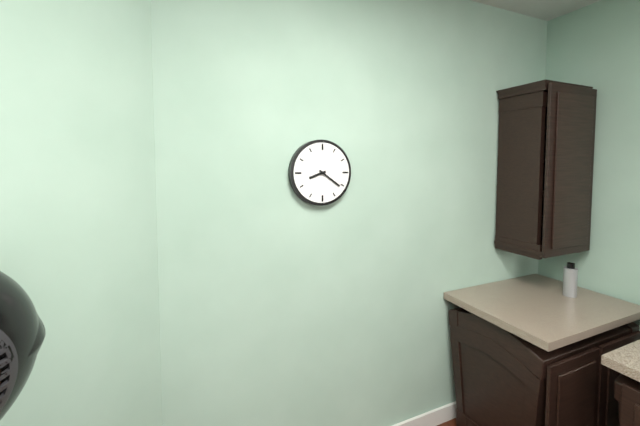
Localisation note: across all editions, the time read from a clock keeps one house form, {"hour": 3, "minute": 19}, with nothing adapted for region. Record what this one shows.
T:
{"hour": 8, "minute": 21}
